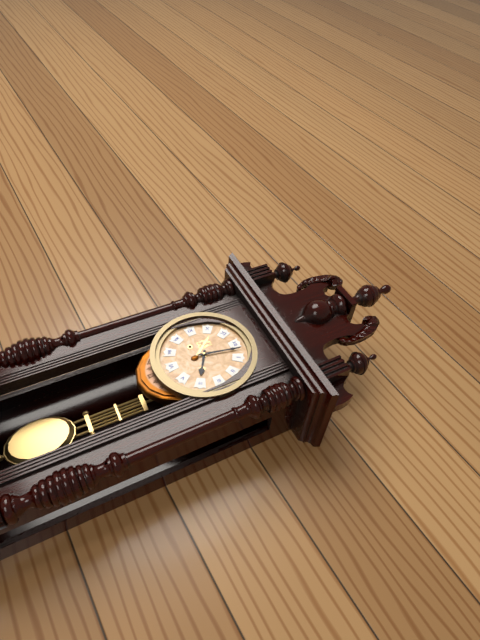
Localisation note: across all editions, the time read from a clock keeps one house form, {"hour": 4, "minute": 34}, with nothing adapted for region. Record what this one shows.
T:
{"hour": 4, "minute": 2}
